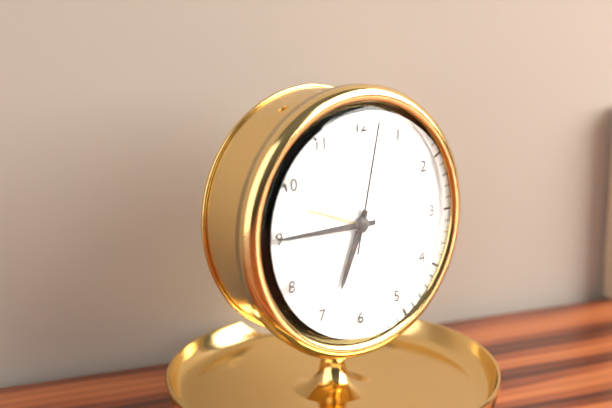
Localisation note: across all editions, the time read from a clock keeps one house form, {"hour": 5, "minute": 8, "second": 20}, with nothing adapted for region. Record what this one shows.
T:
{"hour": 6, "minute": 45, "second": 2}
